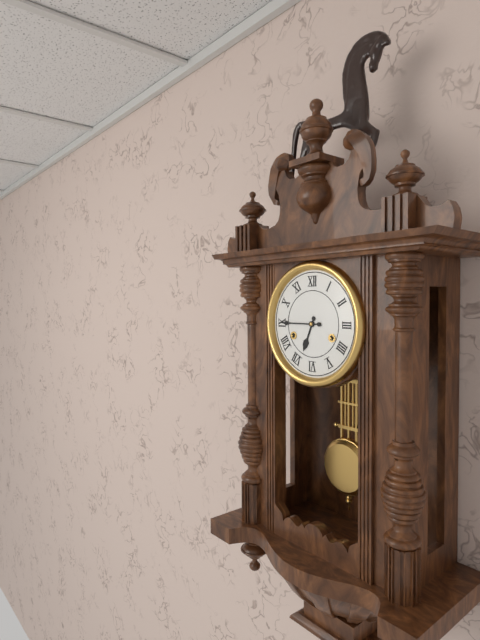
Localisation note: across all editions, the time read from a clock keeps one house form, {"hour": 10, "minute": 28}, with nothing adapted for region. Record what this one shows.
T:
{"hour": 6, "minute": 45}
